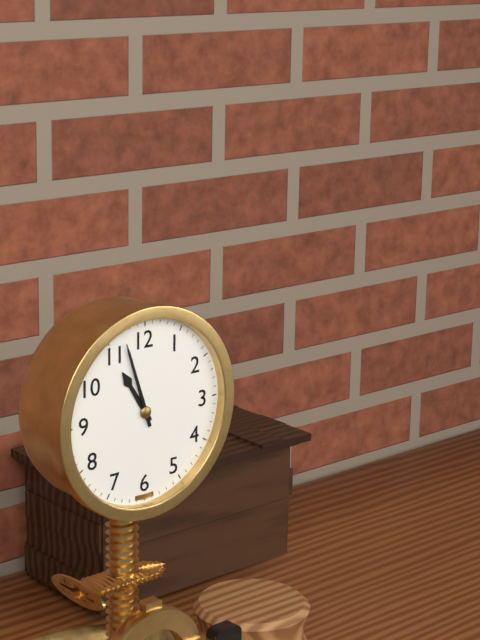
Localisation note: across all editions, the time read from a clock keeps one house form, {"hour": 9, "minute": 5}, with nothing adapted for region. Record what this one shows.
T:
{"hour": 10, "minute": 57}
